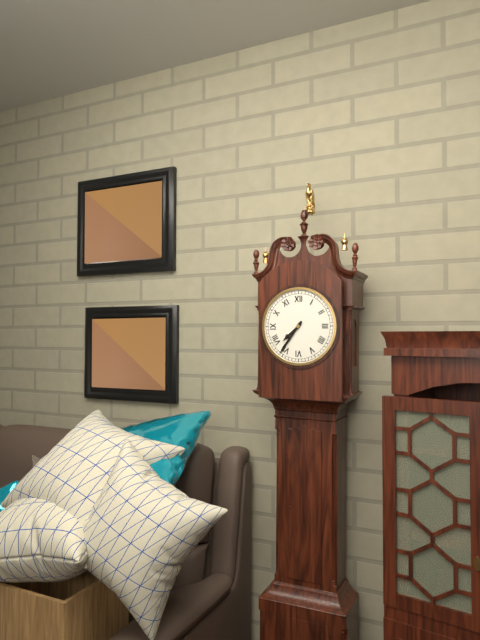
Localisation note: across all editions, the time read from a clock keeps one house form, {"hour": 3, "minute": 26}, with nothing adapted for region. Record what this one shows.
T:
{"hour": 7, "minute": 36}
